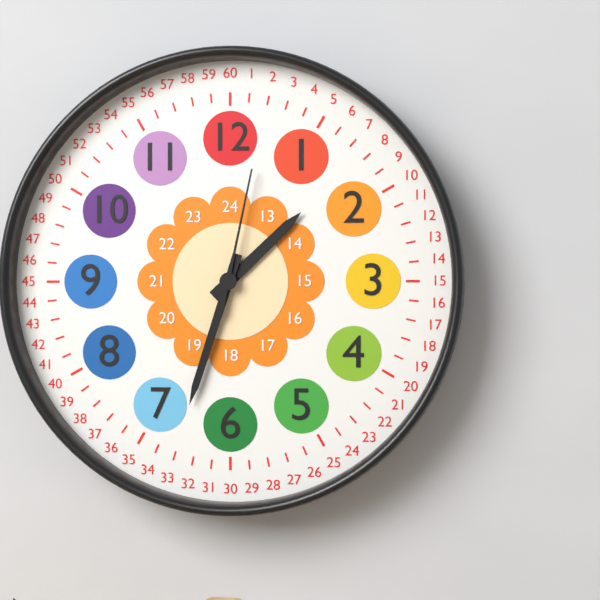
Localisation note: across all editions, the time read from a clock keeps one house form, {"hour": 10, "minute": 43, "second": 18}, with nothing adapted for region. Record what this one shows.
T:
{"hour": 1, "minute": 33, "second": 2}
